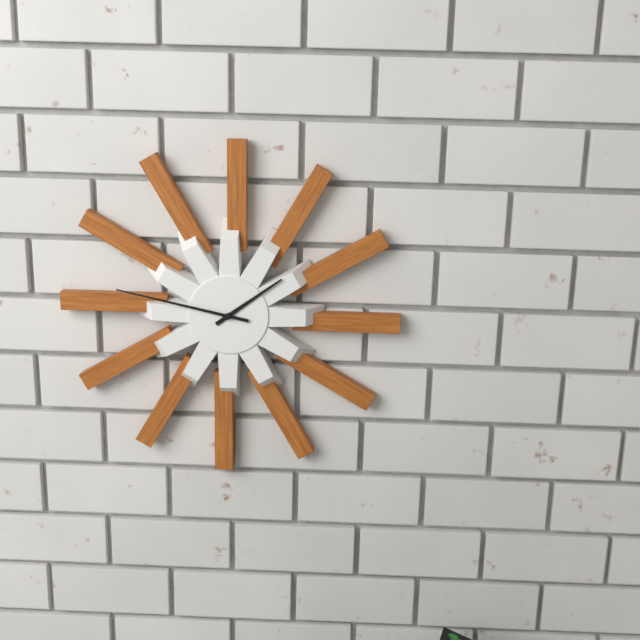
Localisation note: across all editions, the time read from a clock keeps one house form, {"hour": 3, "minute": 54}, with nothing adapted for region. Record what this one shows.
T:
{"hour": 1, "minute": 47}
